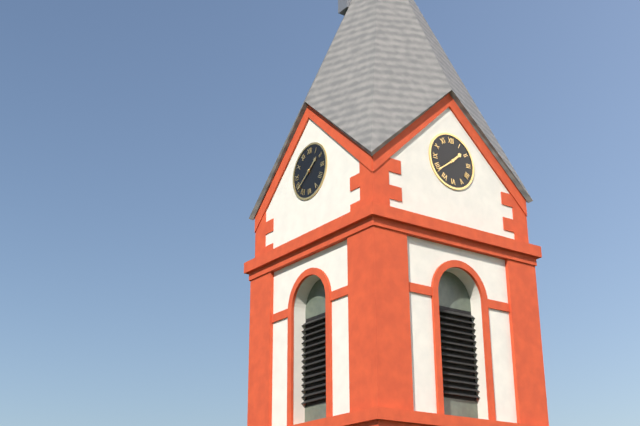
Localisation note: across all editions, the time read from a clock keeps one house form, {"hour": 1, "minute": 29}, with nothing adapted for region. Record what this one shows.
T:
{"hour": 1, "minute": 39}
